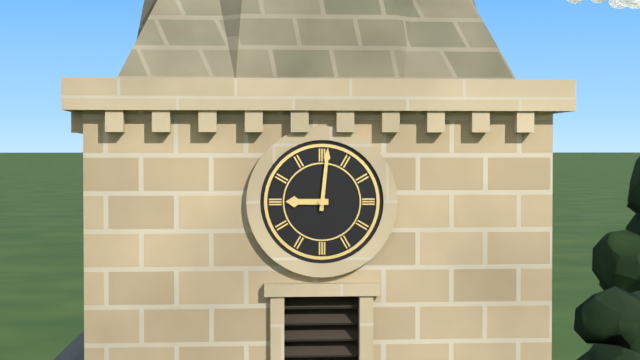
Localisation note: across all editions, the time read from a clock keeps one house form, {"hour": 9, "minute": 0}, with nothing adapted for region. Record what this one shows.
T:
{"hour": 9, "minute": 1}
